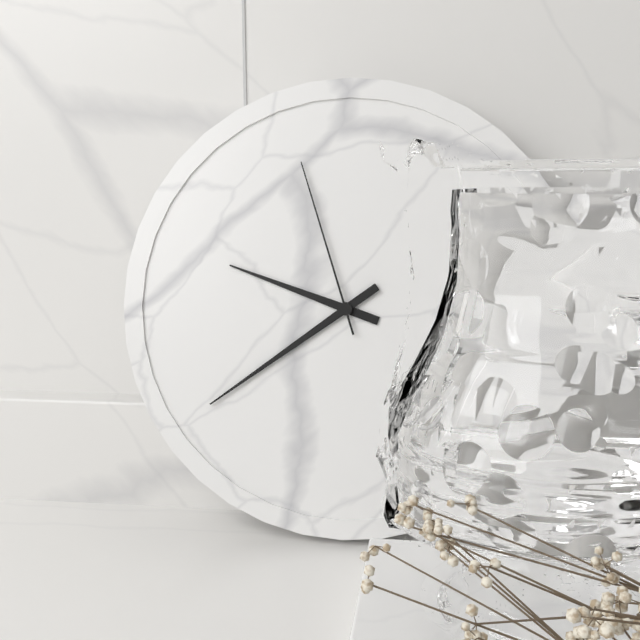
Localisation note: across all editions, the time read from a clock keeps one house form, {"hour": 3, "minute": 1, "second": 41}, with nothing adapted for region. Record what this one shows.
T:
{"hour": 9, "minute": 39, "second": 57}
